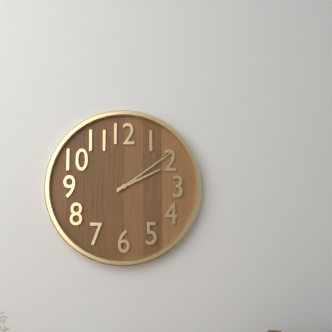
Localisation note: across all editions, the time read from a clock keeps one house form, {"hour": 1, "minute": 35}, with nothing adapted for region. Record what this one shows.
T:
{"hour": 2, "minute": 9}
